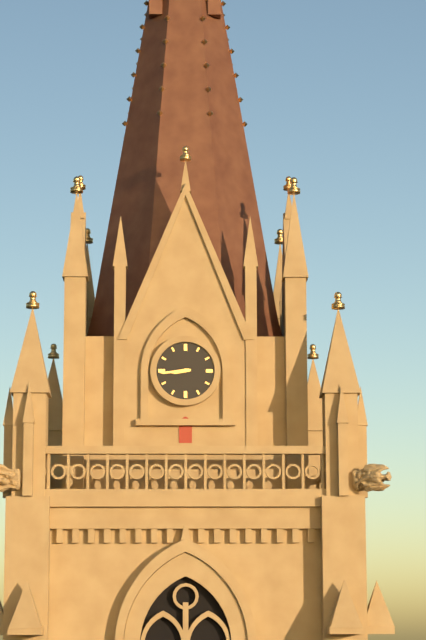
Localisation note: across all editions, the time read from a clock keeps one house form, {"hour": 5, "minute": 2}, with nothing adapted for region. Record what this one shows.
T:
{"hour": 8, "minute": 44}
